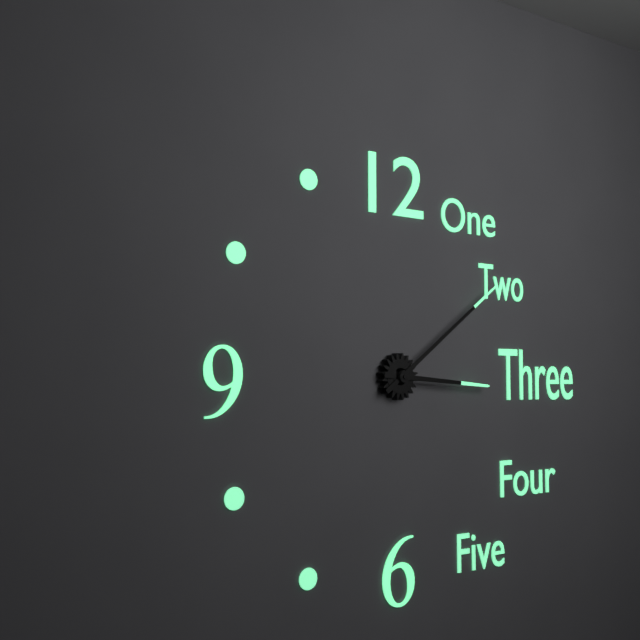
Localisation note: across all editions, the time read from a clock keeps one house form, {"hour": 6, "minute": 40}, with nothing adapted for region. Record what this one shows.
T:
{"hour": 3, "minute": 9}
